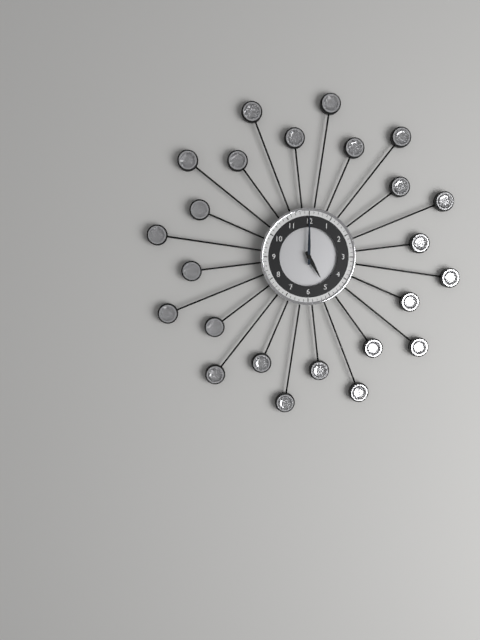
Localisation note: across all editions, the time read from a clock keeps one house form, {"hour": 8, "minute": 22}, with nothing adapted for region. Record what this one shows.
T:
{"hour": 5, "minute": 0}
